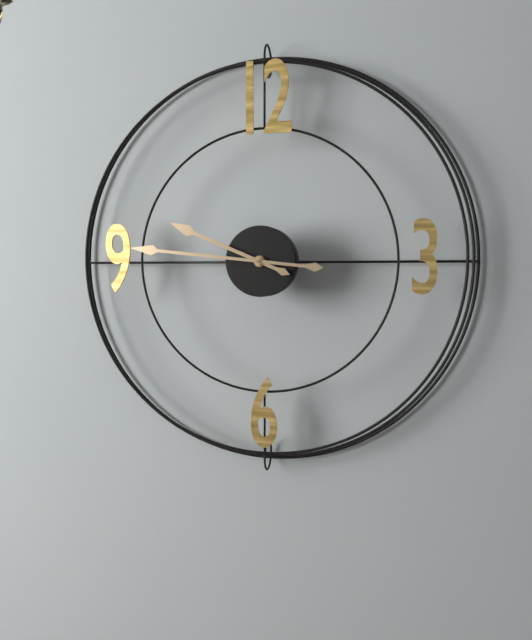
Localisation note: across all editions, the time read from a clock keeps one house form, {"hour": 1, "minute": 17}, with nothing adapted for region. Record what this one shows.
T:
{"hour": 9, "minute": 46}
